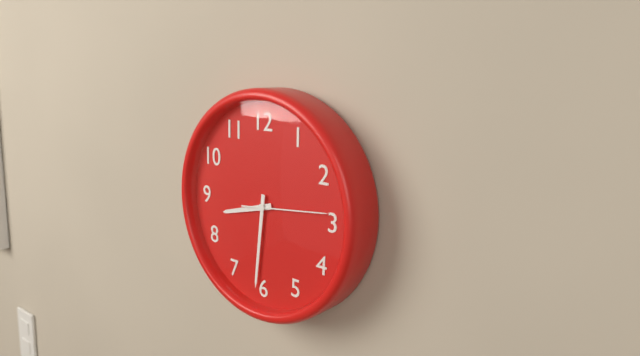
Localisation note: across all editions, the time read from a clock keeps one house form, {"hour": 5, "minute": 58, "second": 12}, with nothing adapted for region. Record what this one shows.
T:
{"hour": 8, "minute": 31, "second": 14}
